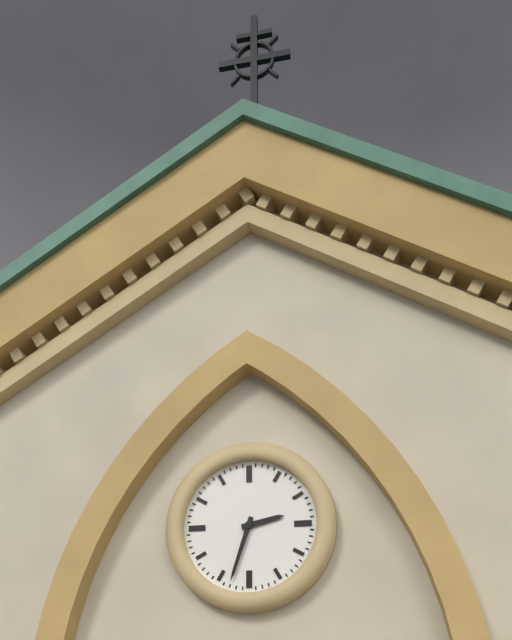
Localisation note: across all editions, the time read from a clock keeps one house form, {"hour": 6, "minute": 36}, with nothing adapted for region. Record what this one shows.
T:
{"hour": 2, "minute": 33}
